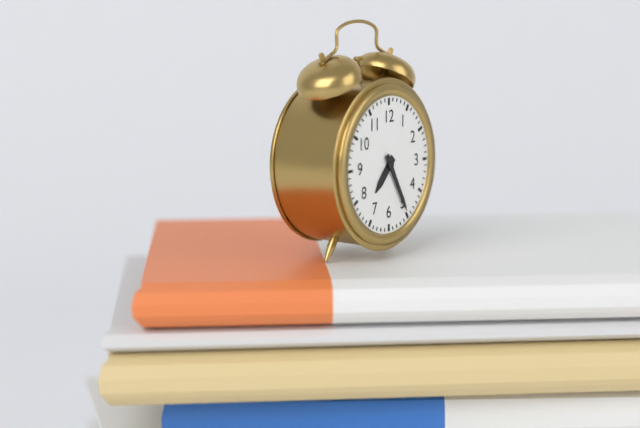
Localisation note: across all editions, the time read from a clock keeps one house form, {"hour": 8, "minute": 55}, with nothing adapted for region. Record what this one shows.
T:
{"hour": 7, "minute": 25}
